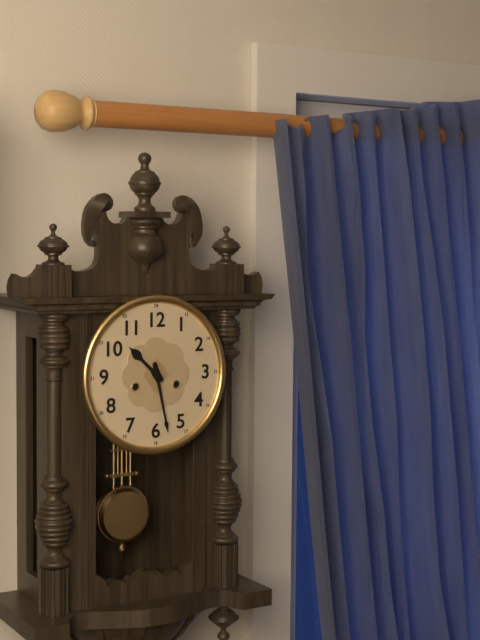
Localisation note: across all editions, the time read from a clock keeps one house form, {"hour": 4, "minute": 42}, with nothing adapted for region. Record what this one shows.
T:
{"hour": 10, "minute": 28}
